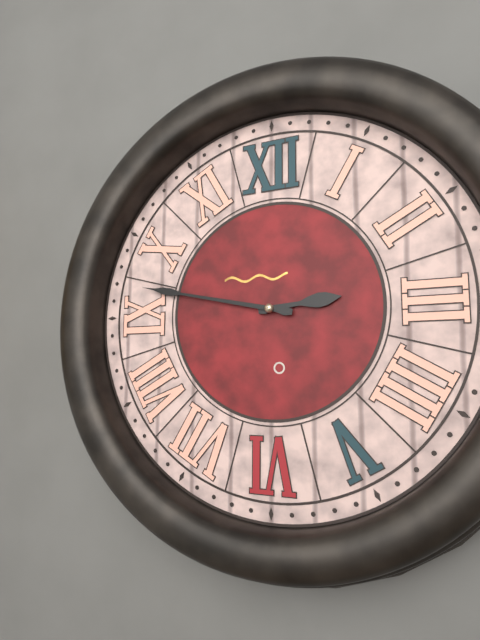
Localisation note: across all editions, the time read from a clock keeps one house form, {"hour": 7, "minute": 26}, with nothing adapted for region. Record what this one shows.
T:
{"hour": 2, "minute": 47}
